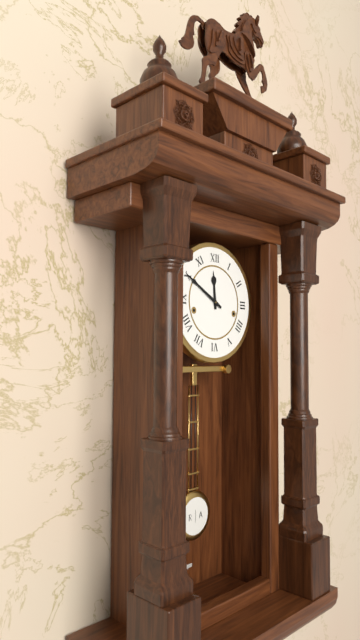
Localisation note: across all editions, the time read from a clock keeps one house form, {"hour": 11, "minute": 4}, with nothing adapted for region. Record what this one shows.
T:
{"hour": 11, "minute": 50}
